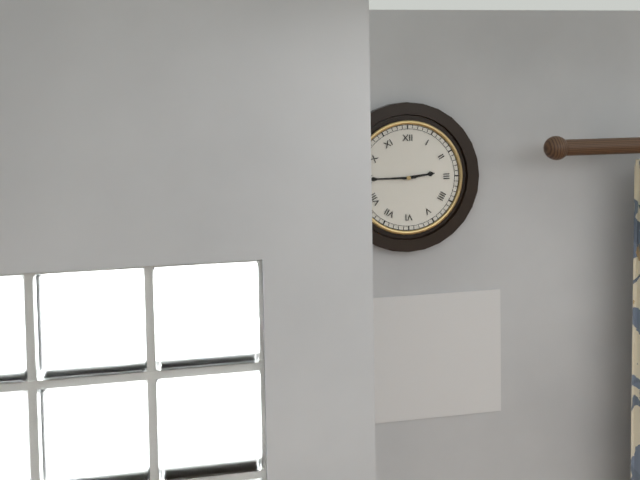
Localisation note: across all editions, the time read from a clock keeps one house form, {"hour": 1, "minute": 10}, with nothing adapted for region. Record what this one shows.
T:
{"hour": 2, "minute": 45}
